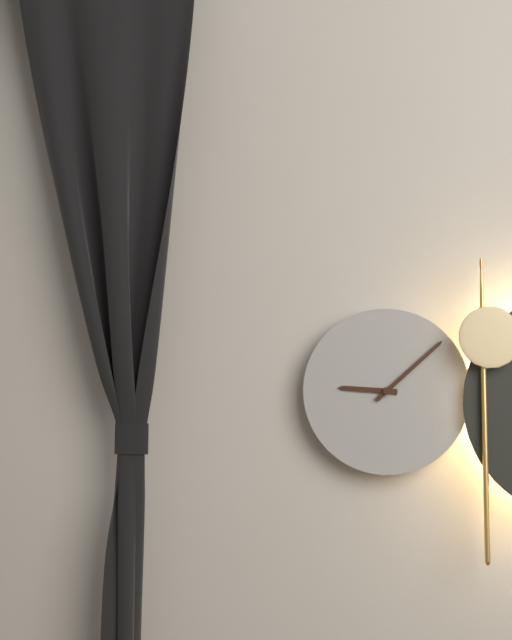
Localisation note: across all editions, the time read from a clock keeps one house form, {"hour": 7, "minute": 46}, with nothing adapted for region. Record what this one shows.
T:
{"hour": 9, "minute": 8}
